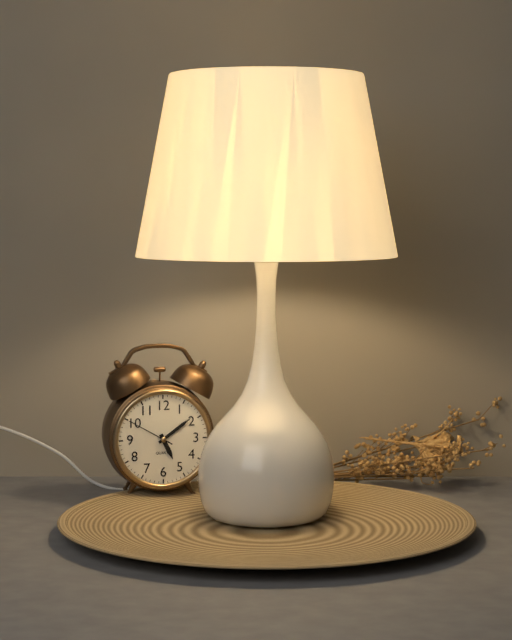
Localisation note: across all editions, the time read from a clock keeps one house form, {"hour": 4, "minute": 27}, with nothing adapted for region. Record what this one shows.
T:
{"hour": 5, "minute": 9}
